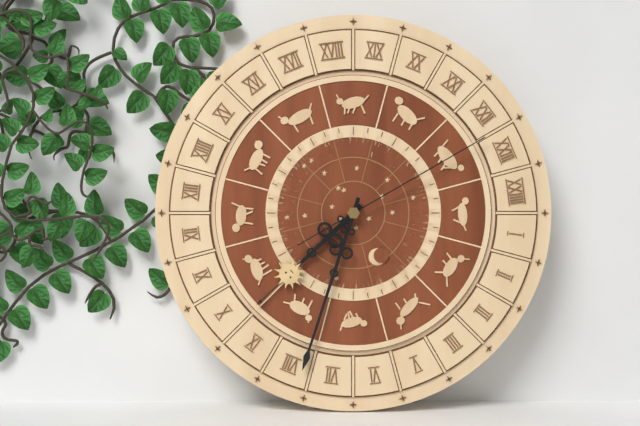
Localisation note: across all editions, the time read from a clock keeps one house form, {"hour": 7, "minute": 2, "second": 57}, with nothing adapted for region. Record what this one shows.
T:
{"hour": 7, "minute": 33, "second": 10}
